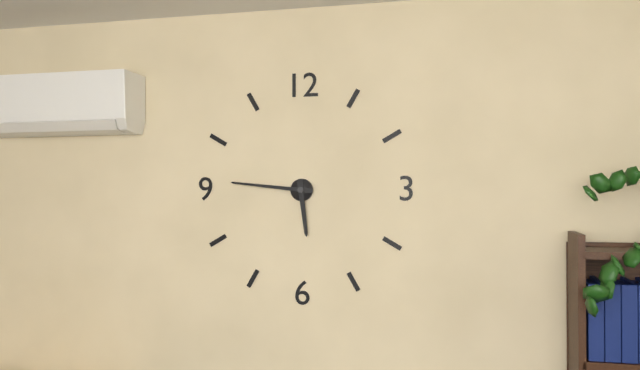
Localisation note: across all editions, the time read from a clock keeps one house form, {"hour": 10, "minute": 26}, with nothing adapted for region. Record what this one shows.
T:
{"hour": 5, "minute": 46}
